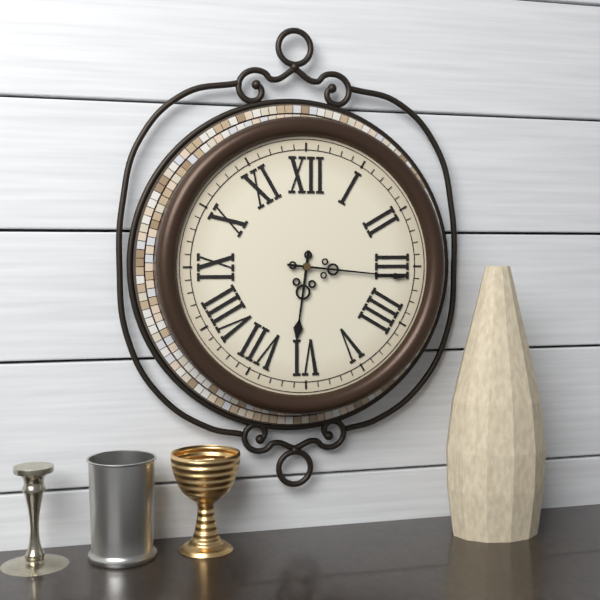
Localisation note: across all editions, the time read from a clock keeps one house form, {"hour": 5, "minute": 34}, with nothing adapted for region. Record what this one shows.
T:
{"hour": 6, "minute": 16}
